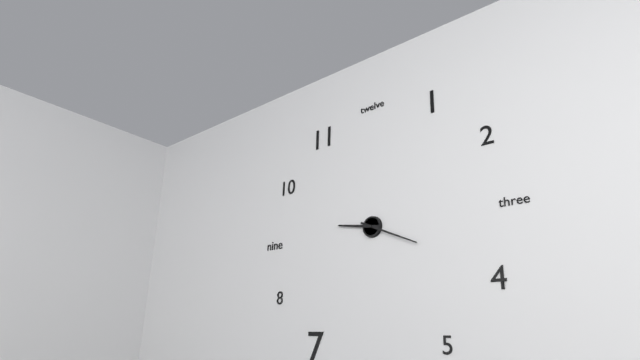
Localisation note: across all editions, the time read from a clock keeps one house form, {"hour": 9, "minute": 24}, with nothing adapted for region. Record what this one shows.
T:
{"hour": 9, "minute": 19}
